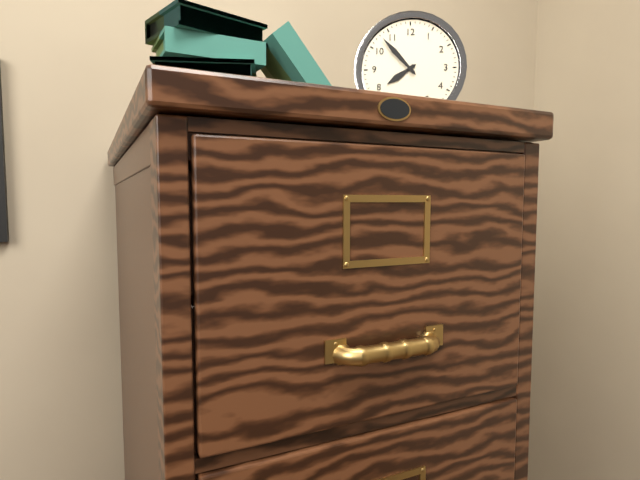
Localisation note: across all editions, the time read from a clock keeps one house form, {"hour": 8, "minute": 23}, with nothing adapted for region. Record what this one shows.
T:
{"hour": 7, "minute": 53}
